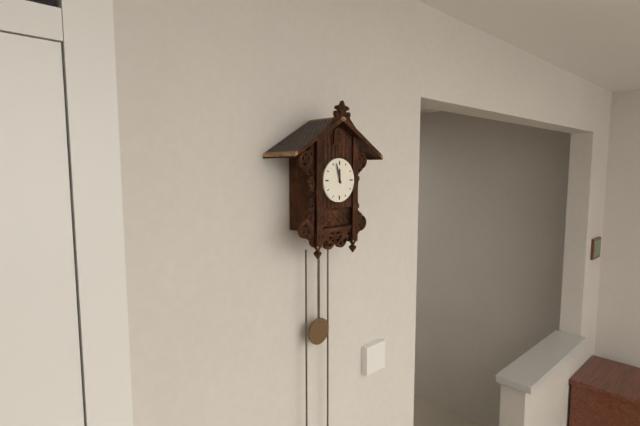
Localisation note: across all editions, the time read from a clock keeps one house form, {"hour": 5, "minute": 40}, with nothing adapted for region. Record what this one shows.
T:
{"hour": 11, "minute": 57}
